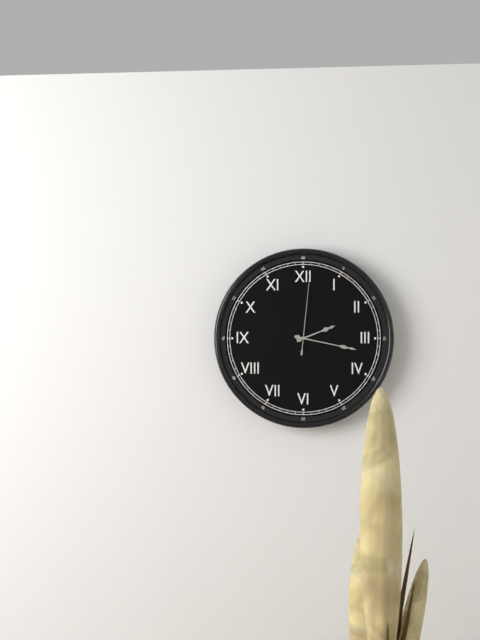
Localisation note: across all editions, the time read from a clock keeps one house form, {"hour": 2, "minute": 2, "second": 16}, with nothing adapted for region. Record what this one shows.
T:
{"hour": 2, "minute": 17, "second": 1}
